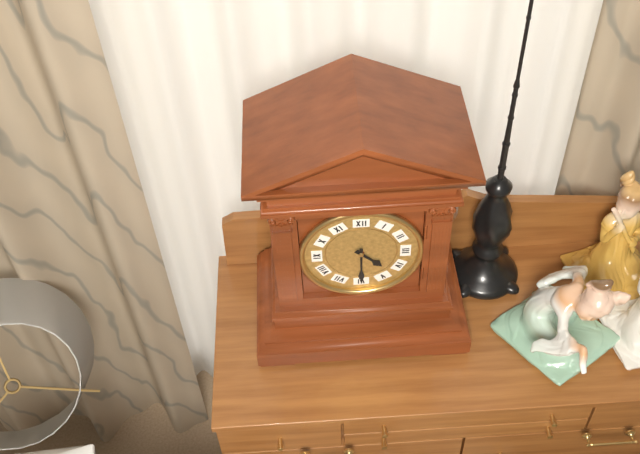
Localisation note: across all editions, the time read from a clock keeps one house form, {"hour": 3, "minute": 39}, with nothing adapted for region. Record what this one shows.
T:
{"hour": 4, "minute": 30}
